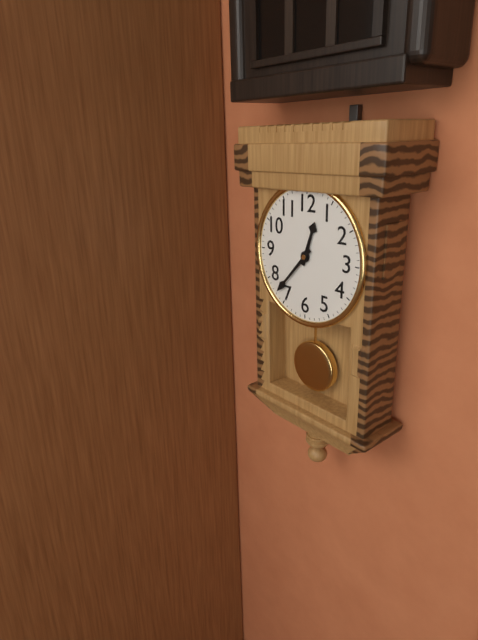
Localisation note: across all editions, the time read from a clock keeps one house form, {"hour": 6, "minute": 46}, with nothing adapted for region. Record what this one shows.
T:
{"hour": 12, "minute": 37}
